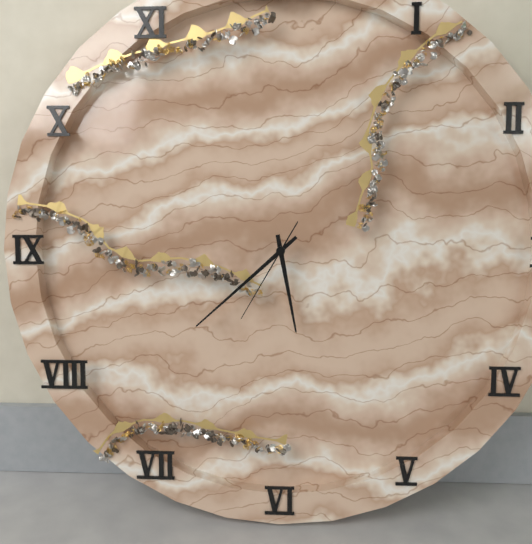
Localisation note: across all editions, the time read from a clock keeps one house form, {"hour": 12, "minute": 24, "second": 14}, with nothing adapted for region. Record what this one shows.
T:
{"hour": 5, "minute": 38, "second": 35}
